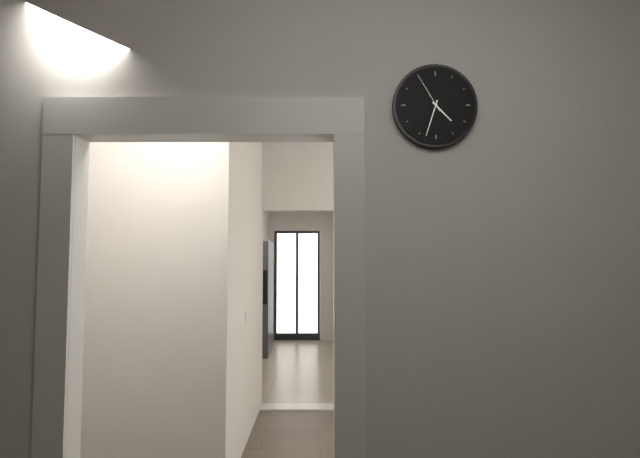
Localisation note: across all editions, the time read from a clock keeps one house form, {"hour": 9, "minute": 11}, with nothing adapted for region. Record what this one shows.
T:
{"hour": 4, "minute": 33}
